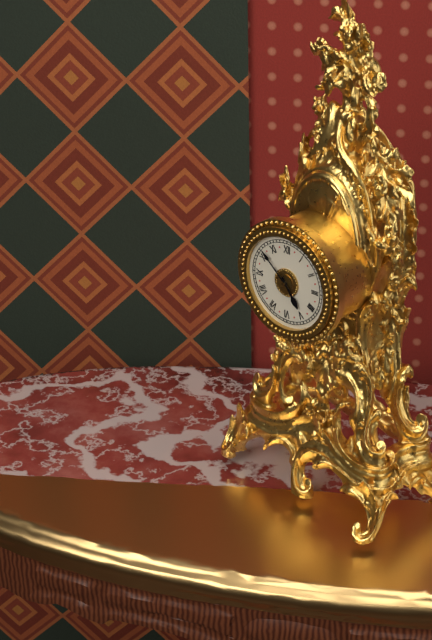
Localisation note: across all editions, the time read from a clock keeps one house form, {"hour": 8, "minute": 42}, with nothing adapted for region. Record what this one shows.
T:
{"hour": 4, "minute": 52}
